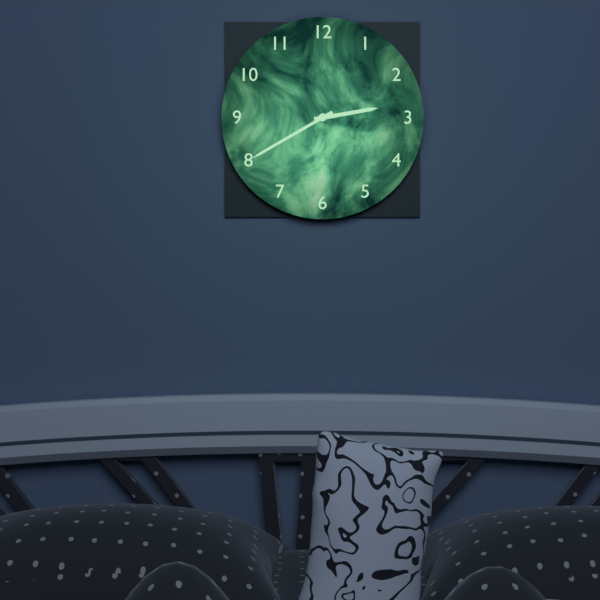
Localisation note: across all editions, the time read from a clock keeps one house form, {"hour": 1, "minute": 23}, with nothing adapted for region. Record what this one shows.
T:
{"hour": 2, "minute": 40}
